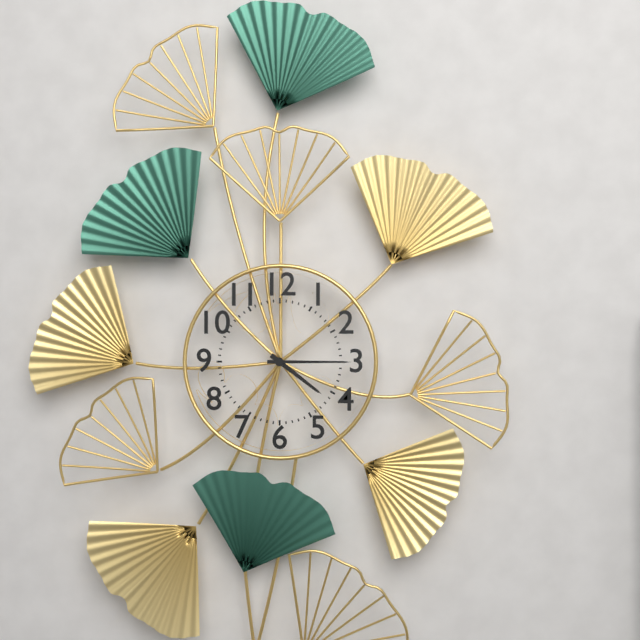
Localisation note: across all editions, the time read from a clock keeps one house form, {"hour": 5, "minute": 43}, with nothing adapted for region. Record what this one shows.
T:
{"hour": 4, "minute": 15}
